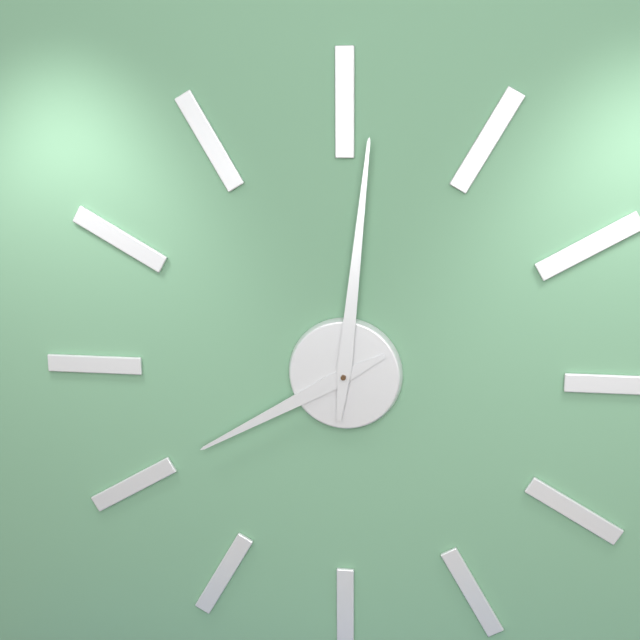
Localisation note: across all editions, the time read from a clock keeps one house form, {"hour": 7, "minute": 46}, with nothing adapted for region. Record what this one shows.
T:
{"hour": 8, "minute": 1}
